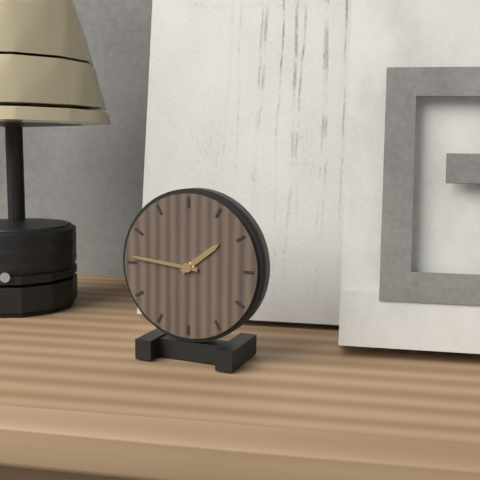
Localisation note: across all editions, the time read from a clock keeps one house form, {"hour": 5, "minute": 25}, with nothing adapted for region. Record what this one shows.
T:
{"hour": 1, "minute": 46}
